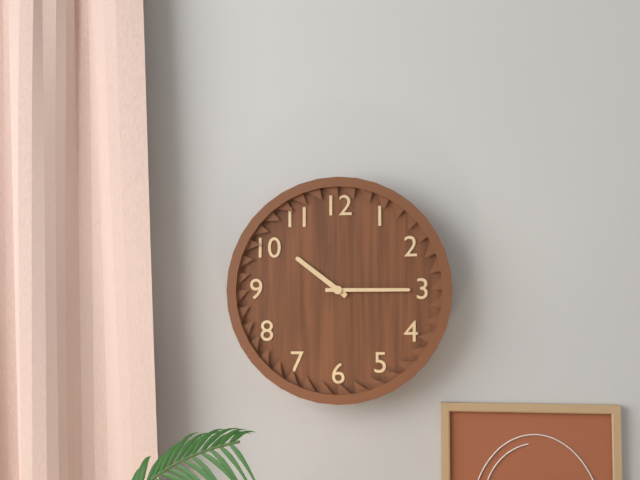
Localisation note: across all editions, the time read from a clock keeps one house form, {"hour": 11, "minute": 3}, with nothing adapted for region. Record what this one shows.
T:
{"hour": 10, "minute": 15}
